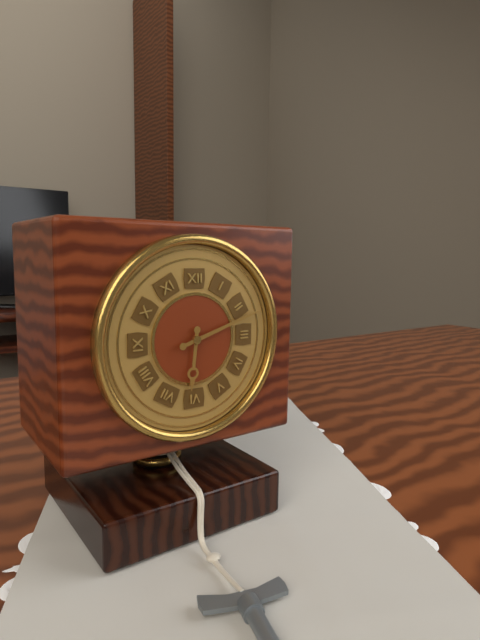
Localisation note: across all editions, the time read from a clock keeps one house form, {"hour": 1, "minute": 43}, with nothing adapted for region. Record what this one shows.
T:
{"hour": 6, "minute": 12}
